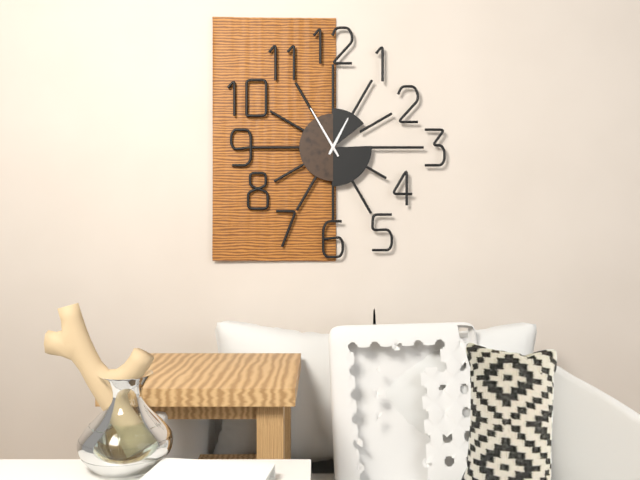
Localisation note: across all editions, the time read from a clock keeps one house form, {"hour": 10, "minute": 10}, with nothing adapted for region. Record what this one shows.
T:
{"hour": 12, "minute": 55}
